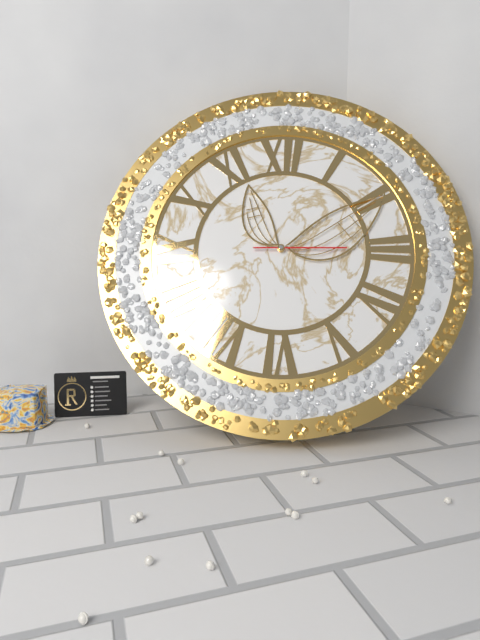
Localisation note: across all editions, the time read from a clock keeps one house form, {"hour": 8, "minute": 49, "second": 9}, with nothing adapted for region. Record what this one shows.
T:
{"hour": 11, "minute": 10, "second": 15}
